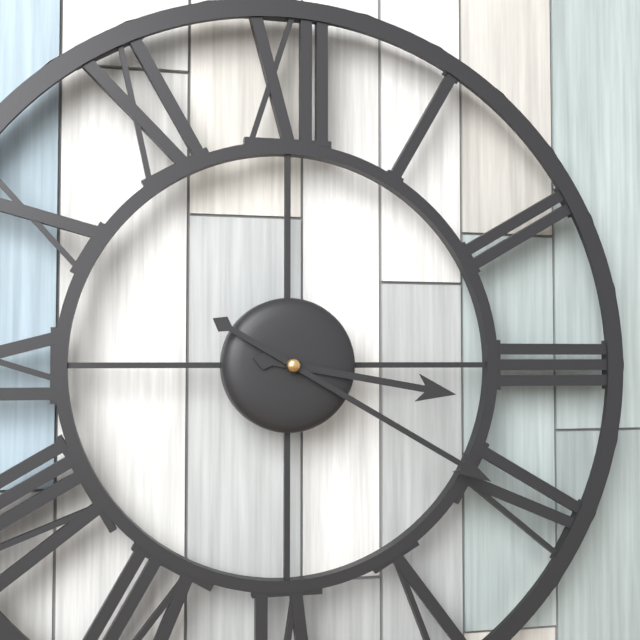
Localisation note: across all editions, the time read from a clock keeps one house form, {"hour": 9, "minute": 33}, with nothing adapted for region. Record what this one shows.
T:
{"hour": 3, "minute": 20}
